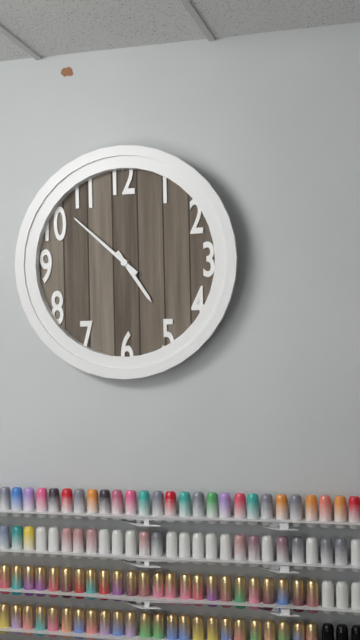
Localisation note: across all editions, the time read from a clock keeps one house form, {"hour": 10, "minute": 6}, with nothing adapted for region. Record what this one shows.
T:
{"hour": 4, "minute": 52}
